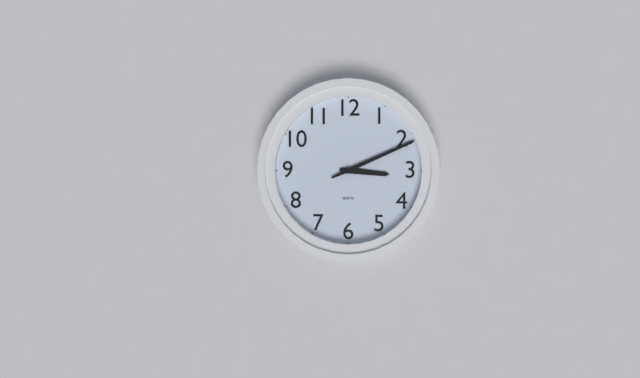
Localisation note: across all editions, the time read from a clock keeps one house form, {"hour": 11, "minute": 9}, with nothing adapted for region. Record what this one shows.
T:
{"hour": 3, "minute": 11}
